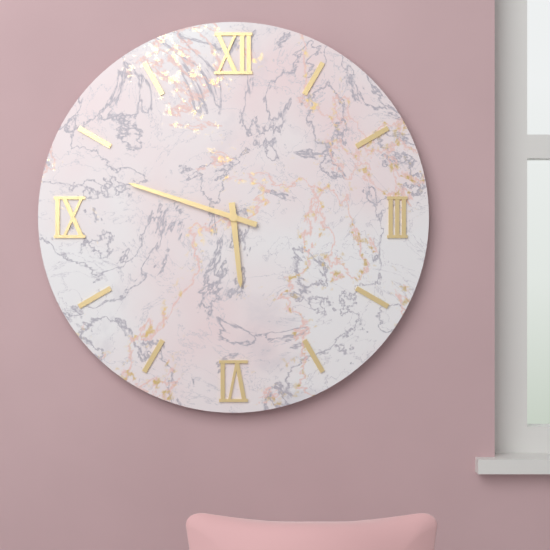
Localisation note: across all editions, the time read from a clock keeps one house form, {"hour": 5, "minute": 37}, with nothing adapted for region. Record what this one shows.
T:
{"hour": 5, "minute": 48}
